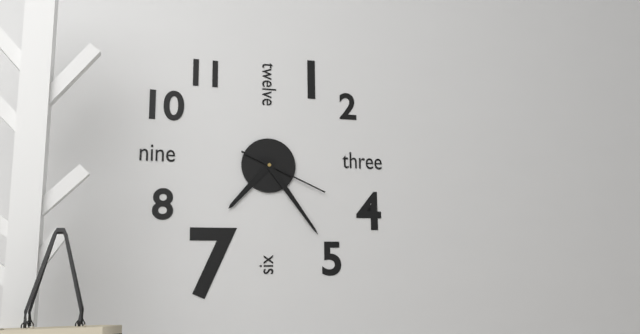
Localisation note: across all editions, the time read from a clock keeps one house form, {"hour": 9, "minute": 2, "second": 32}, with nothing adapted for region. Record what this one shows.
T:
{"hour": 7, "minute": 24, "second": 19}
